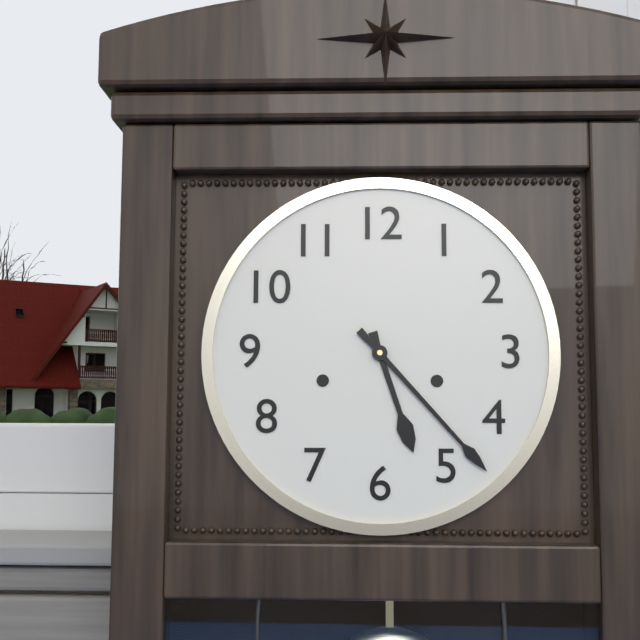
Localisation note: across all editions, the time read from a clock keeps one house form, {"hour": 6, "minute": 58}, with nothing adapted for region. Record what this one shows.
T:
{"hour": 5, "minute": 23}
